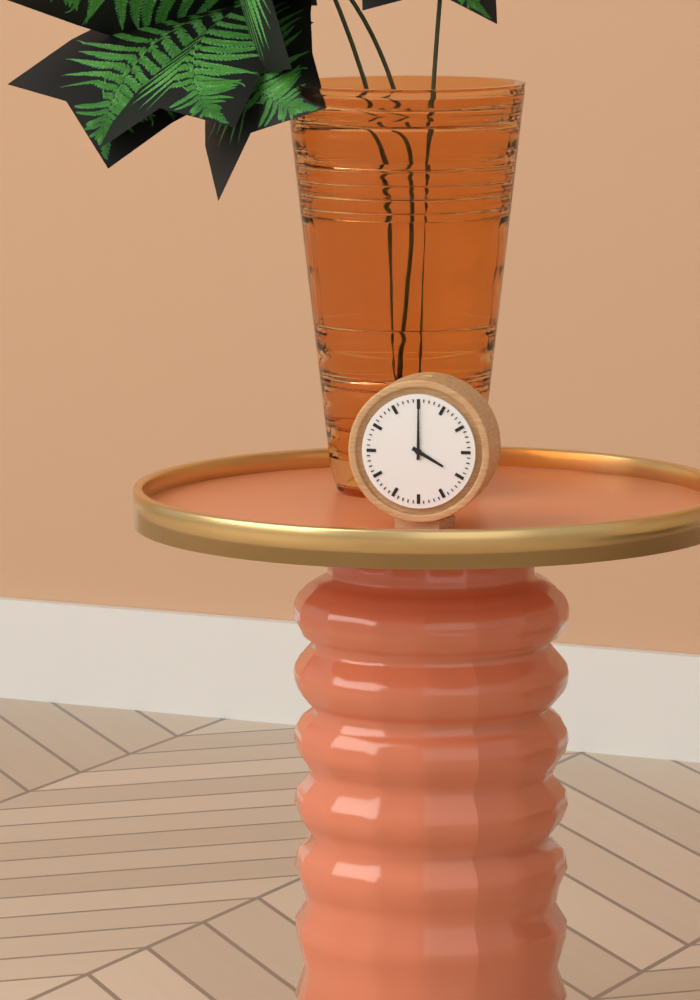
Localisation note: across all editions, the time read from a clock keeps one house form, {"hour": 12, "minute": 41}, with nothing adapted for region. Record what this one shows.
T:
{"hour": 4, "minute": 0}
